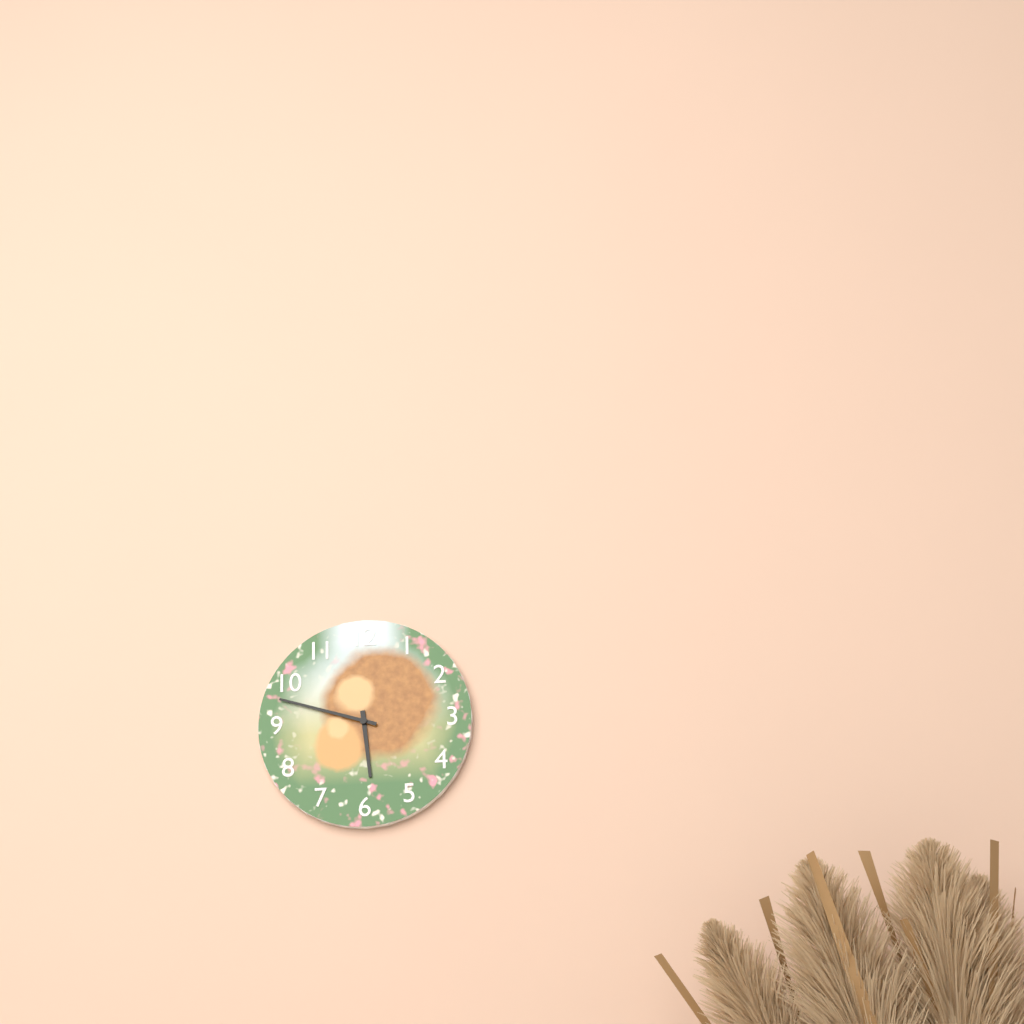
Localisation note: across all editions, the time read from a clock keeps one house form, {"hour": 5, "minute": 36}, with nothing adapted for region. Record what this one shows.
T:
{"hour": 5, "minute": 48}
